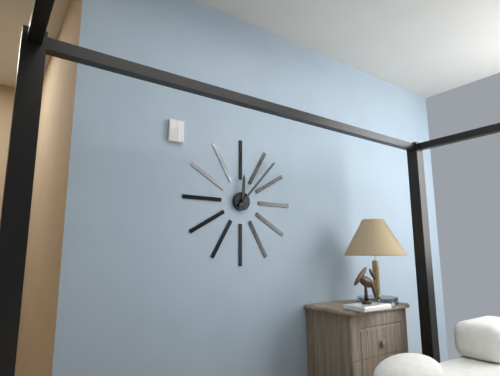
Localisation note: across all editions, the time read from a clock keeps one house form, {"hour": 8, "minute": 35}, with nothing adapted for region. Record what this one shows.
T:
{"hour": 12, "minute": 7}
